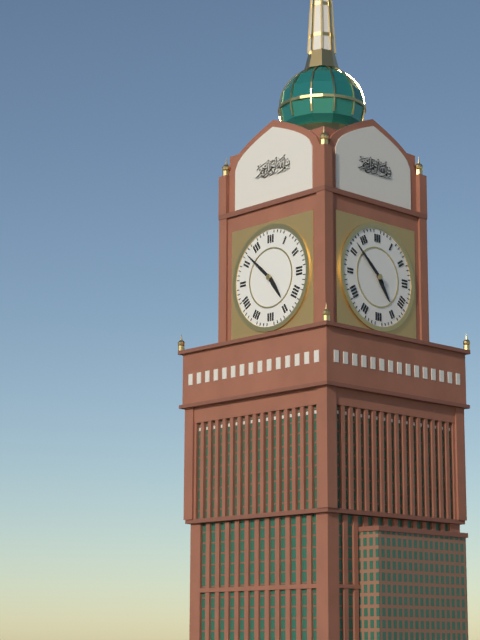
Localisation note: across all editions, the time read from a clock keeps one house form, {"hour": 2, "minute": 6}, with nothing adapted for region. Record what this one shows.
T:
{"hour": 4, "minute": 52}
